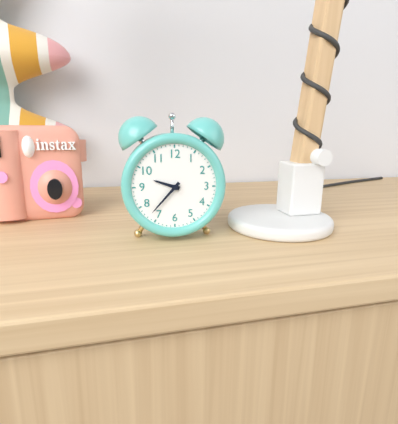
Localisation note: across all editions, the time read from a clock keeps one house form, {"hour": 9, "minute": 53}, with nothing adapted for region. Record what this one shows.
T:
{"hour": 9, "minute": 37}
